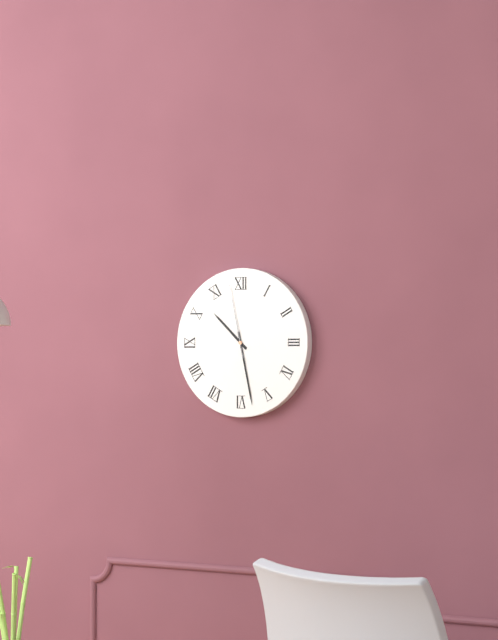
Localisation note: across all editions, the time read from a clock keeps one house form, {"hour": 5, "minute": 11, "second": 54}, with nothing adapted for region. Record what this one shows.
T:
{"hour": 10, "minute": 28, "second": 58}
